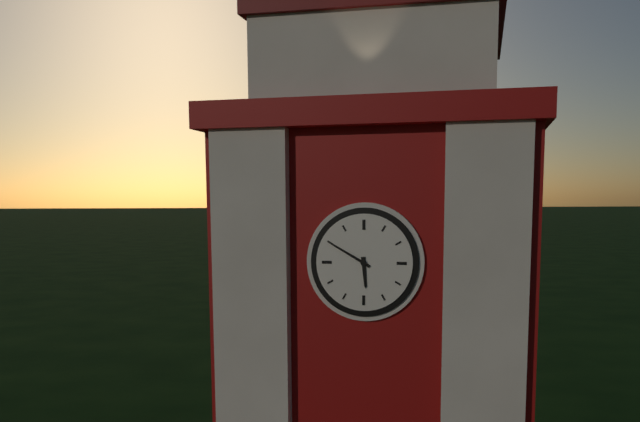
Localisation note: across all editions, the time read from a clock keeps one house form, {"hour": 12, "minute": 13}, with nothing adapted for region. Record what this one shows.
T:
{"hour": 5, "minute": 50}
